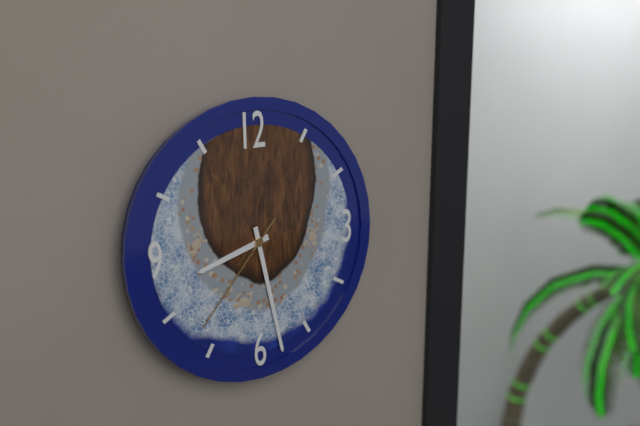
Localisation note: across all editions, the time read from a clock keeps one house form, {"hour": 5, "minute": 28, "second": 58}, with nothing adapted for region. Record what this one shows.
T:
{"hour": 8, "minute": 28, "second": 37}
